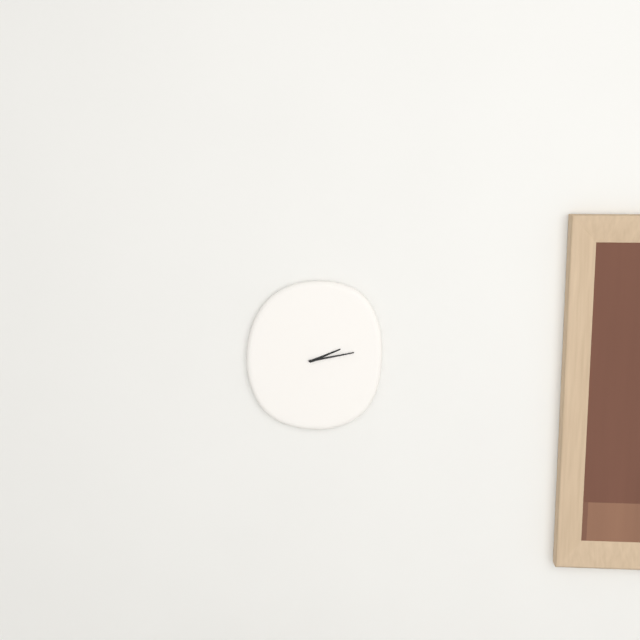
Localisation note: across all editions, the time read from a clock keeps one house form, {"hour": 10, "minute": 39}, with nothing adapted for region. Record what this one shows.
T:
{"hour": 2, "minute": 13}
